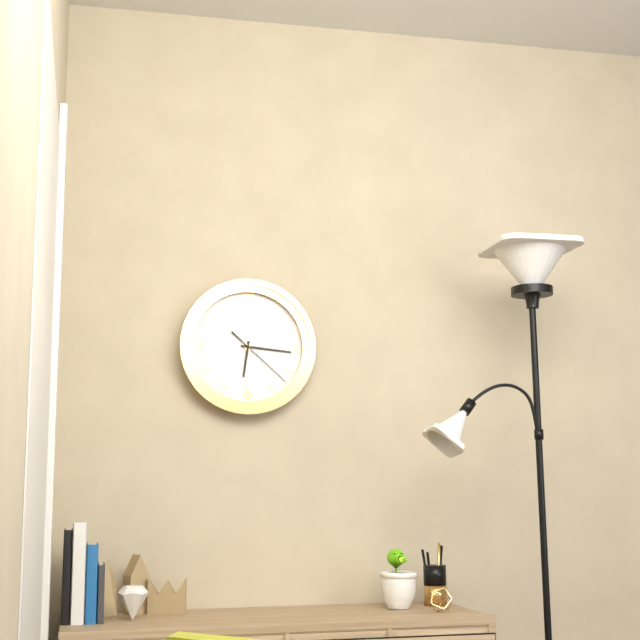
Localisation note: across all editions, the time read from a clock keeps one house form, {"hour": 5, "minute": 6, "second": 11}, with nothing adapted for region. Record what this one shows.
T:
{"hour": 6, "minute": 16, "second": 22}
